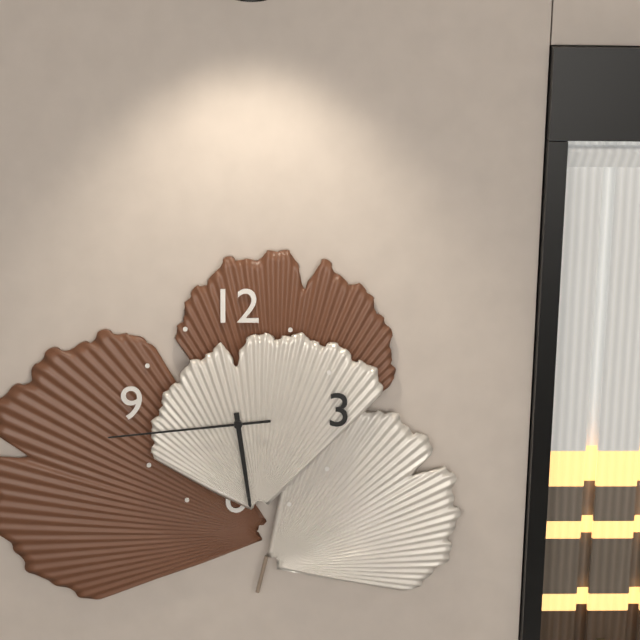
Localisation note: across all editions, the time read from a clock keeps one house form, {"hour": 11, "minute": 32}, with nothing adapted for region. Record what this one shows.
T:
{"hour": 5, "minute": 44}
